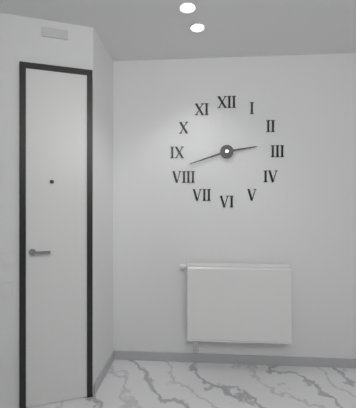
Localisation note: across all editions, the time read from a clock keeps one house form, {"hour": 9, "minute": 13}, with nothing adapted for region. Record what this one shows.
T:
{"hour": 2, "minute": 42}
